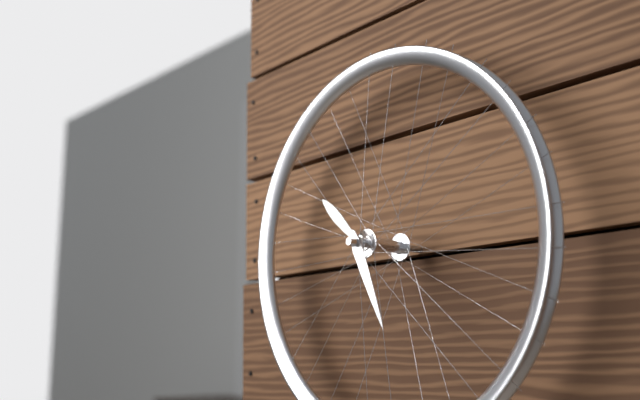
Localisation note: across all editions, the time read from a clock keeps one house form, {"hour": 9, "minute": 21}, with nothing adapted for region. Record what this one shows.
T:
{"hour": 10, "minute": 26}
